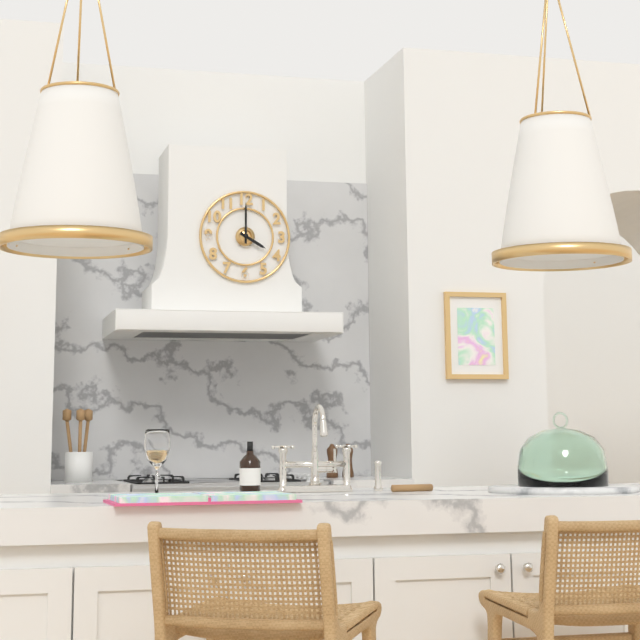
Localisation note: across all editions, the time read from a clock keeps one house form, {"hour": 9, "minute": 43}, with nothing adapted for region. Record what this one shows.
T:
{"hour": 4, "minute": 0}
